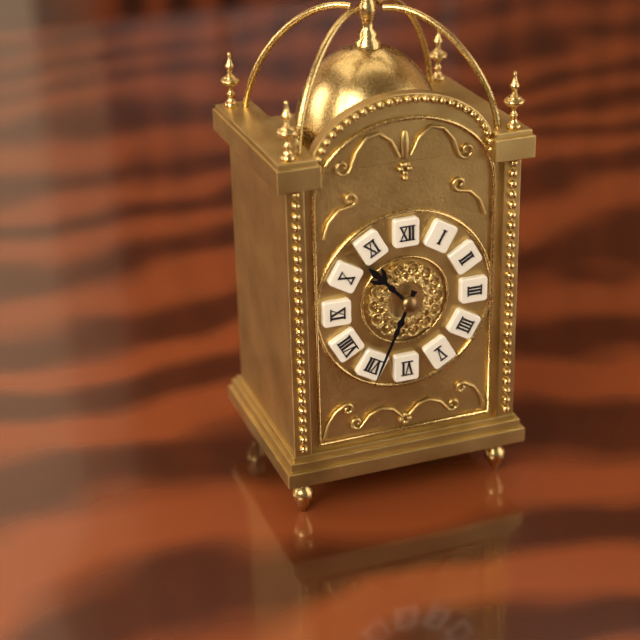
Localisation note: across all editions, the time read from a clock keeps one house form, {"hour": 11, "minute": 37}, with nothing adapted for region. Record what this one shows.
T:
{"hour": 10, "minute": 34}
